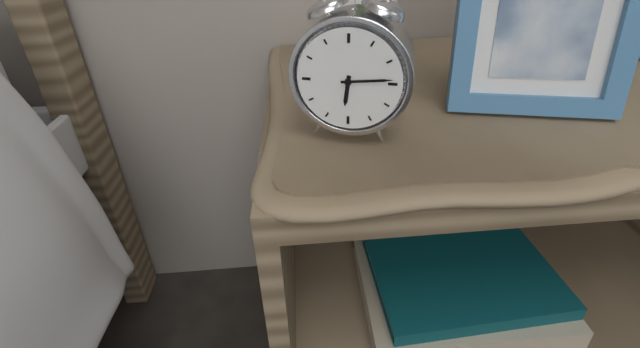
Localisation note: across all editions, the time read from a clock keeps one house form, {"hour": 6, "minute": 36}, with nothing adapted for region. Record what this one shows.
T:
{"hour": 6, "minute": 14}
